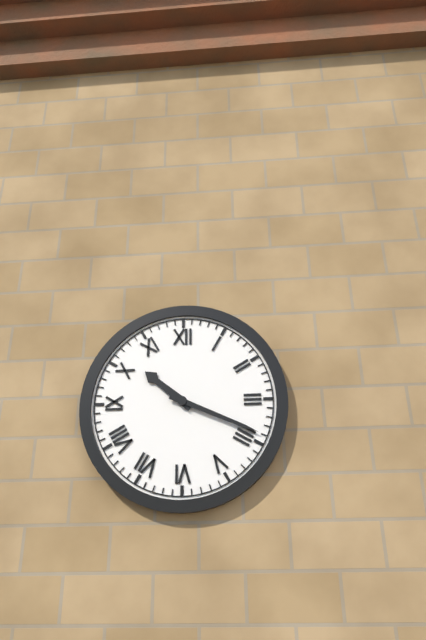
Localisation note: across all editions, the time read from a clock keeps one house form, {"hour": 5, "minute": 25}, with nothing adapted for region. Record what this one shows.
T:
{"hour": 10, "minute": 19}
